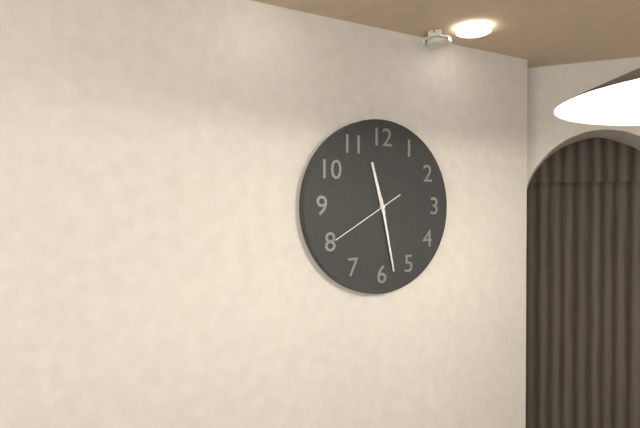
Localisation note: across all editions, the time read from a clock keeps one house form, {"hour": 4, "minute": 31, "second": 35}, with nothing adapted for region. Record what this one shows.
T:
{"hour": 11, "minute": 28, "second": 40}
